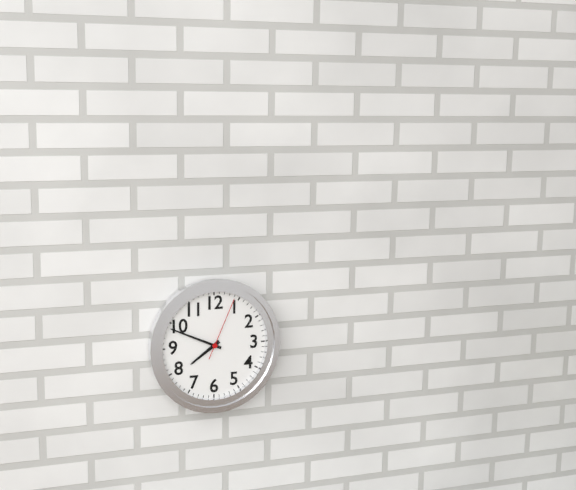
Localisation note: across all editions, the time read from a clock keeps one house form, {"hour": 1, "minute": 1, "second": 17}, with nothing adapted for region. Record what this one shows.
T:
{"hour": 7, "minute": 49, "second": 4}
